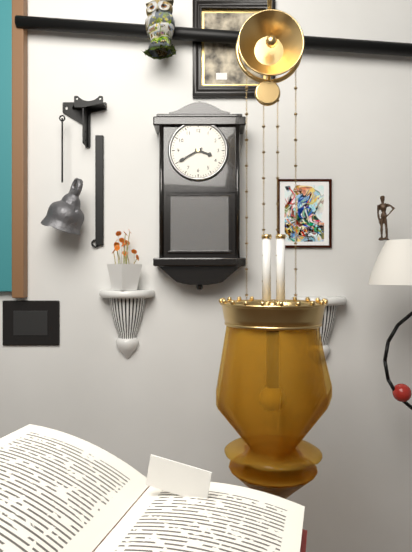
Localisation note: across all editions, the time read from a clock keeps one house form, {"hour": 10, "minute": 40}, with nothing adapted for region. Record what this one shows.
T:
{"hour": 3, "minute": 40}
